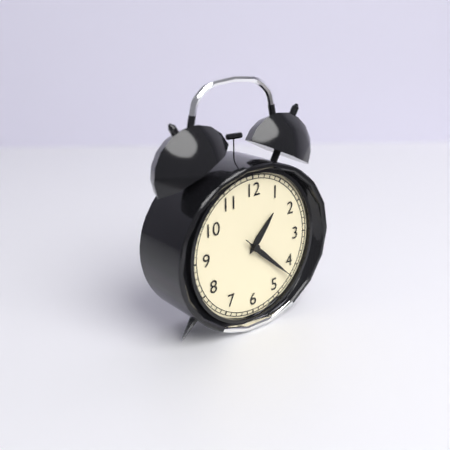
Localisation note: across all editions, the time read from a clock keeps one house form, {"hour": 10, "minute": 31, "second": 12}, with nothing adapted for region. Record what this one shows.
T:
{"hour": 1, "minute": 22, "second": 22}
